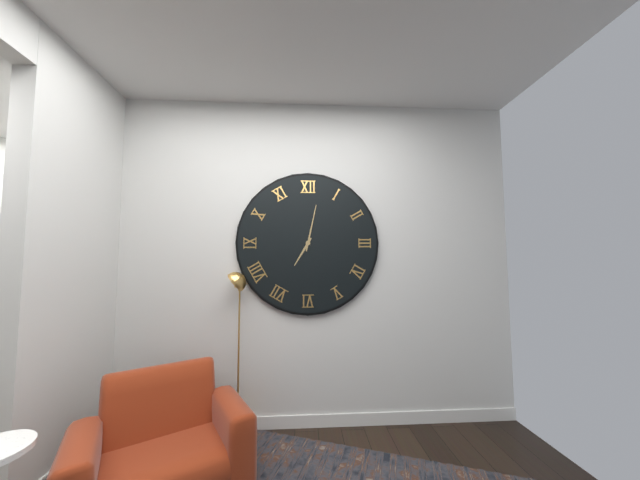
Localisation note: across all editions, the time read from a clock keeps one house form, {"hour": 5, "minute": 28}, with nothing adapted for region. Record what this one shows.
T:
{"hour": 7, "minute": 2}
